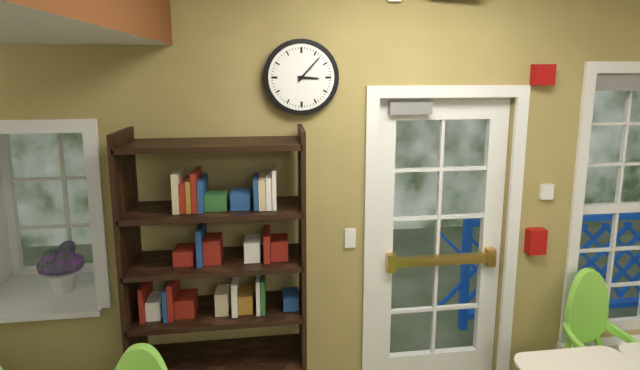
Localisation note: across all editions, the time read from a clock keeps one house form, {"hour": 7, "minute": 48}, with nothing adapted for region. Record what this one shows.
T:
{"hour": 3, "minute": 7}
